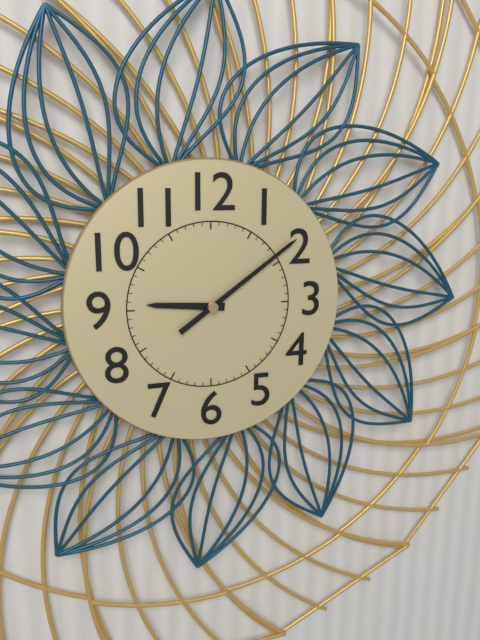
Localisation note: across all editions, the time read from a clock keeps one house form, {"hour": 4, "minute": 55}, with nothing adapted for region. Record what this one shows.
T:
{"hour": 9, "minute": 9}
